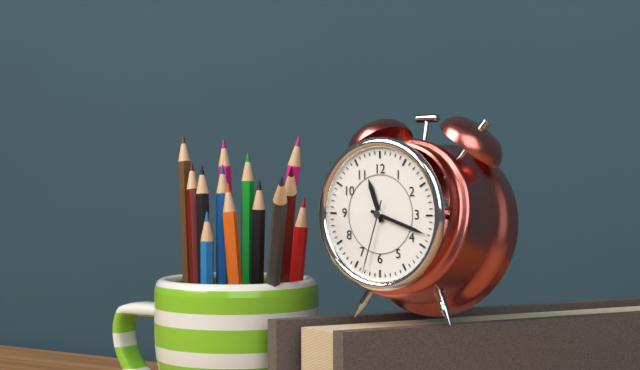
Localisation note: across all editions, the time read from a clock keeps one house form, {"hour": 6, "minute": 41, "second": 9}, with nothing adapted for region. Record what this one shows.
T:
{"hour": 11, "minute": 18, "second": 33}
